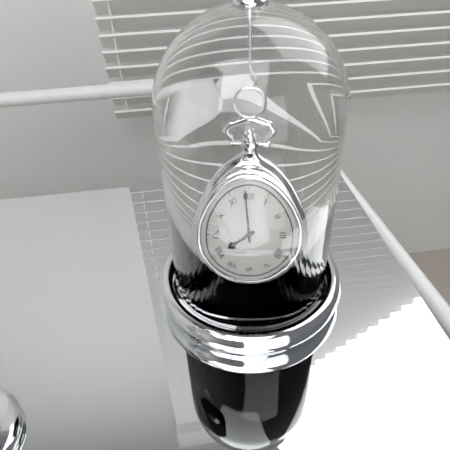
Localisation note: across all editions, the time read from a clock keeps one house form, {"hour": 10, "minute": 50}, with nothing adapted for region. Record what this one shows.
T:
{"hour": 7, "minute": 59}
